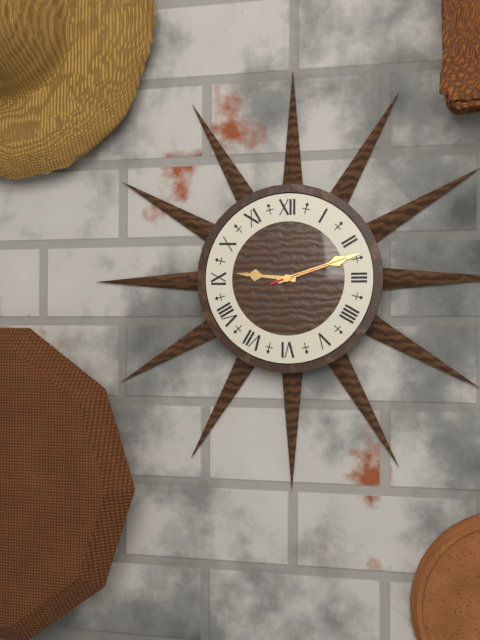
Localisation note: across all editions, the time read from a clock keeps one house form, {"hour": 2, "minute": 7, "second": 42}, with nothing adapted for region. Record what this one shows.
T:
{"hour": 9, "minute": 12, "second": 12}
